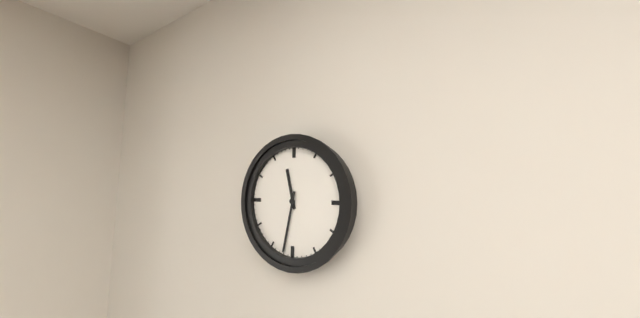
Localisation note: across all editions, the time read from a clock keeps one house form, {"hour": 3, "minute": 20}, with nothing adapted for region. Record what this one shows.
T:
{"hour": 11, "minute": 32}
